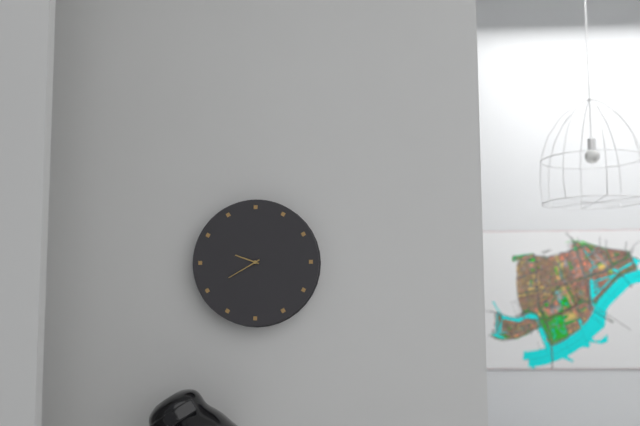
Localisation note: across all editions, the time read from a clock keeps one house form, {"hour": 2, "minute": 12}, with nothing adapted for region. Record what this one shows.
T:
{"hour": 9, "minute": 40}
